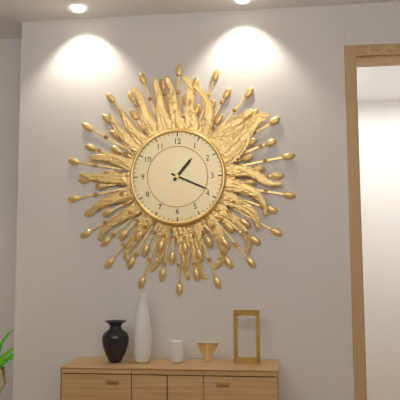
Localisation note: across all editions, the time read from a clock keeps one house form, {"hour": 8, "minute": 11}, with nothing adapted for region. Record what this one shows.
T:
{"hour": 1, "minute": 19}
